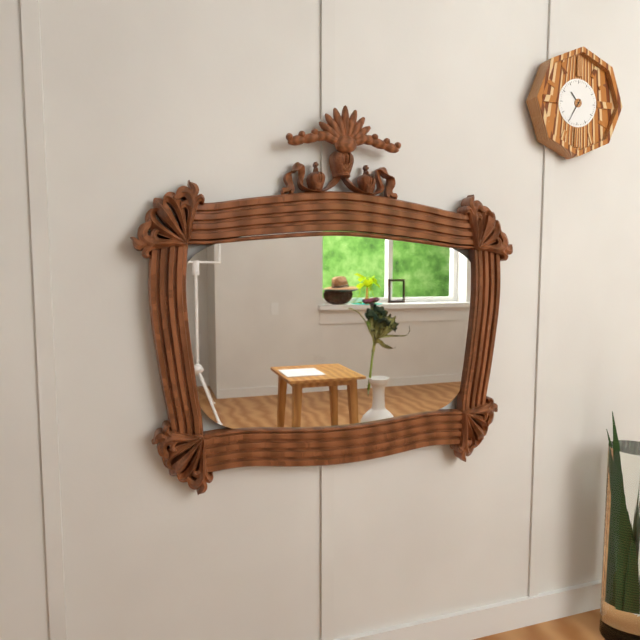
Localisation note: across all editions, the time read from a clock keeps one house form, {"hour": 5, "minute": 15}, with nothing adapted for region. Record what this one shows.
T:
{"hour": 10, "minute": 35}
